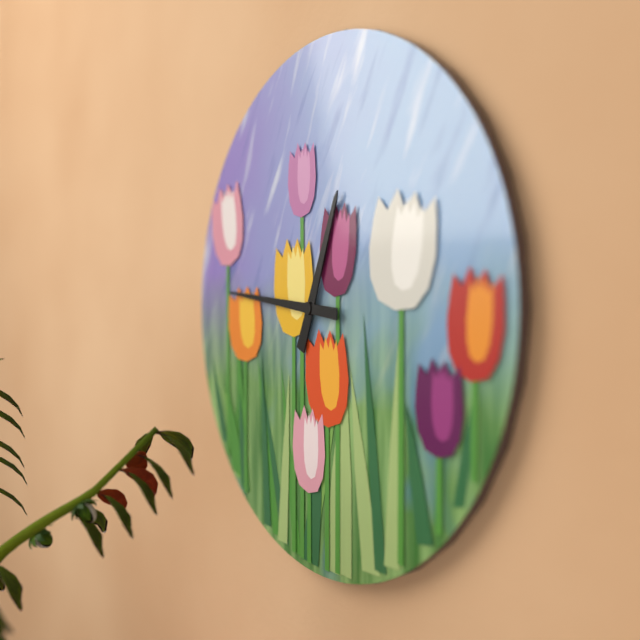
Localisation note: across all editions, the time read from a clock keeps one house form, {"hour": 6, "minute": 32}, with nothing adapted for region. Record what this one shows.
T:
{"hour": 12, "minute": 46}
